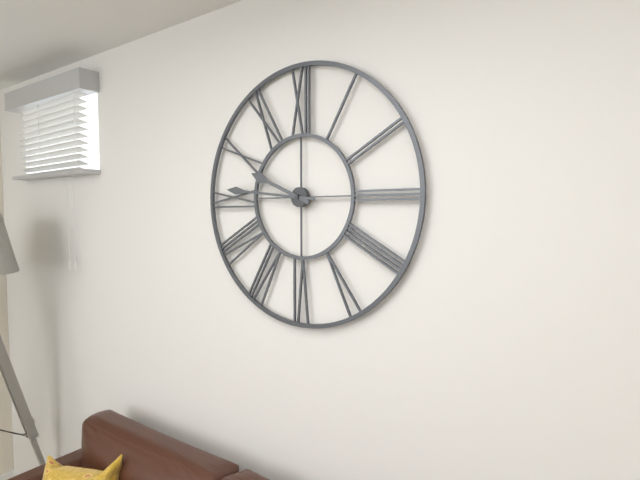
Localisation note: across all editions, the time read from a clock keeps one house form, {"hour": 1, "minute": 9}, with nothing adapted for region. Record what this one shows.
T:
{"hour": 9, "minute": 46}
